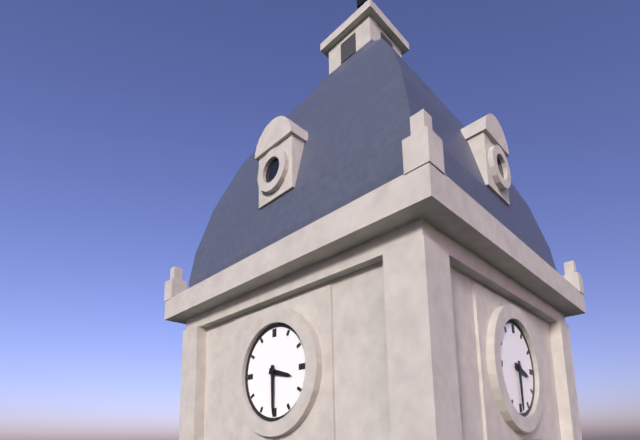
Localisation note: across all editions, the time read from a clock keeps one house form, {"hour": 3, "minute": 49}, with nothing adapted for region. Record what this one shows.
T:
{"hour": 3, "minute": 30}
